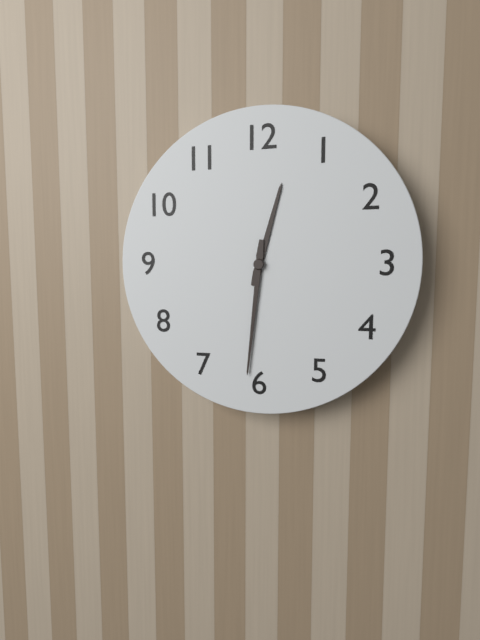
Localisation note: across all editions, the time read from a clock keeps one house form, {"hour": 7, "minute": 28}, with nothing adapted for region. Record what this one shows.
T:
{"hour": 12, "minute": 31}
